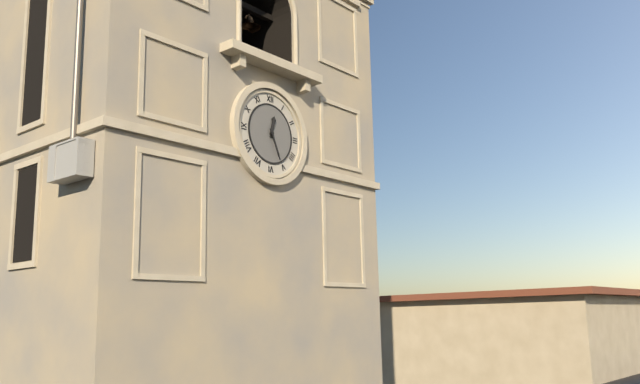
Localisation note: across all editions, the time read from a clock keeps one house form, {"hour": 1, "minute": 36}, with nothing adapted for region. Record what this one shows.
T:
{"hour": 12, "minute": 26}
